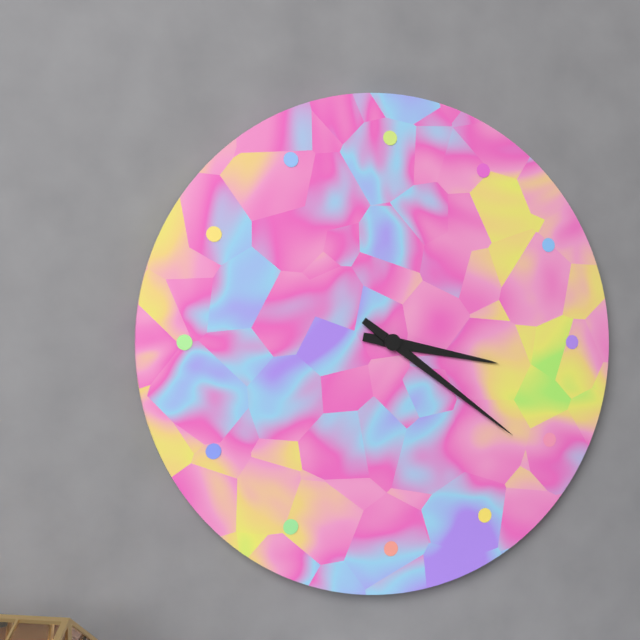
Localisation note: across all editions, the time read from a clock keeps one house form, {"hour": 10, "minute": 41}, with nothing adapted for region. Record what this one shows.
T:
{"hour": 3, "minute": 21}
